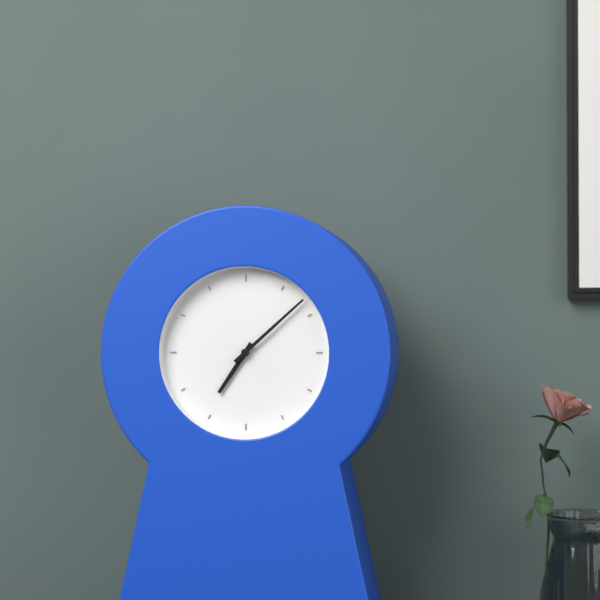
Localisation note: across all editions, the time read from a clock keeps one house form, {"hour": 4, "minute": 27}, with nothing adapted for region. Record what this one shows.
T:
{"hour": 7, "minute": 8}
